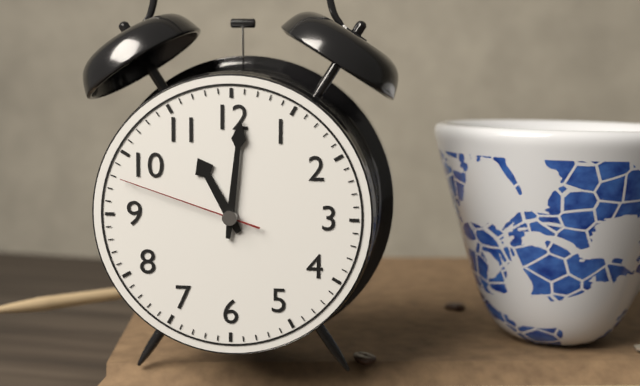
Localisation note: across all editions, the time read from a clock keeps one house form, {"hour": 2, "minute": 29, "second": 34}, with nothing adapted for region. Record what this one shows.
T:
{"hour": 11, "minute": 1, "second": 48}
